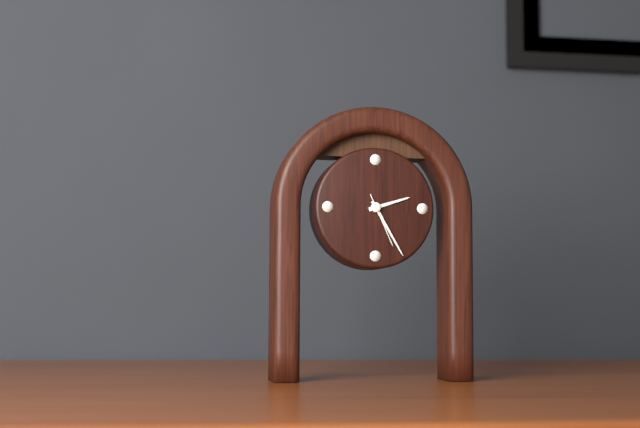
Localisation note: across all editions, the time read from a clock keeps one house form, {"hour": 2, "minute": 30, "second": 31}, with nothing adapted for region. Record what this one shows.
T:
{"hour": 2, "minute": 25, "second": 26}
